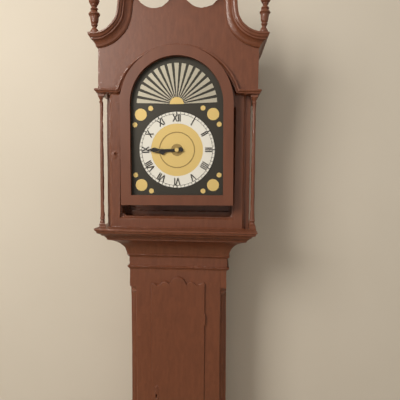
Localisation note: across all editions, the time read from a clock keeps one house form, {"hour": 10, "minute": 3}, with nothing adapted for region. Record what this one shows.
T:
{"hour": 8, "minute": 45}
